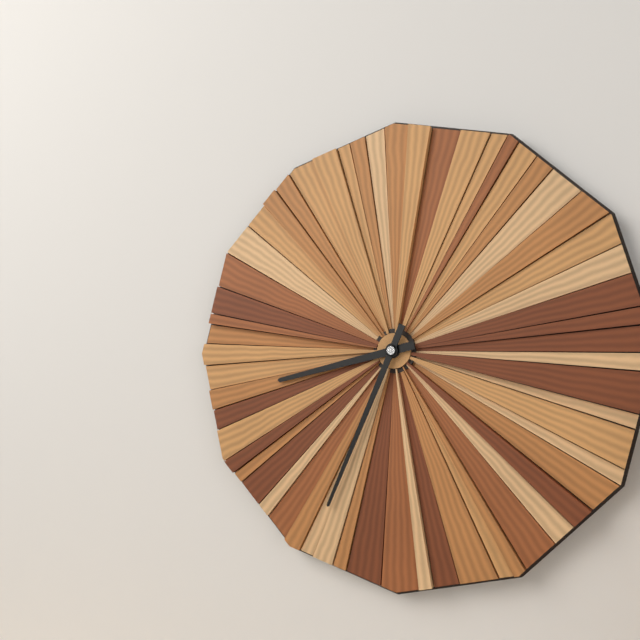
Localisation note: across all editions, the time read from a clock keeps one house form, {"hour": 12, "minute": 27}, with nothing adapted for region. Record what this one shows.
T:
{"hour": 8, "minute": 34}
